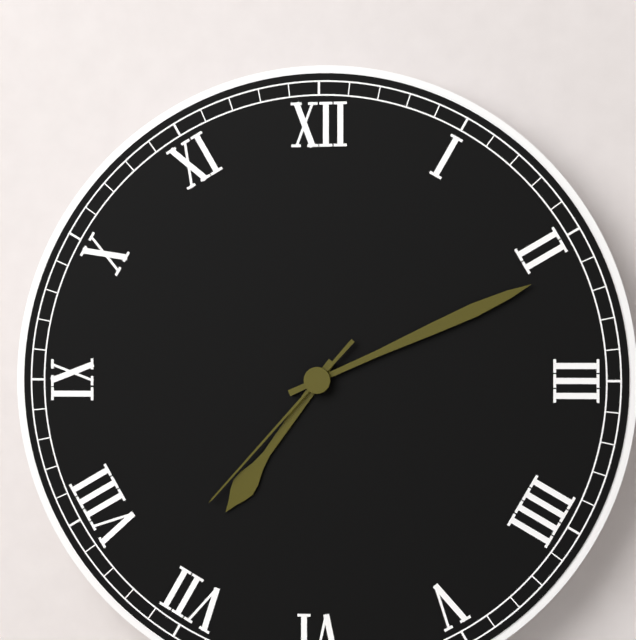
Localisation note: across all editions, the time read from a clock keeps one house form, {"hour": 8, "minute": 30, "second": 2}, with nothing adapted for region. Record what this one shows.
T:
{"hour": 7, "minute": 11, "second": 37}
